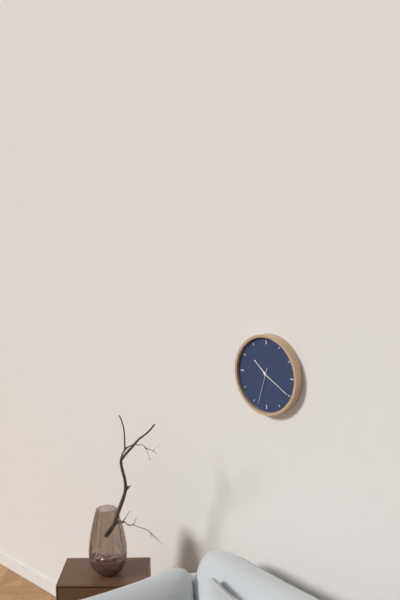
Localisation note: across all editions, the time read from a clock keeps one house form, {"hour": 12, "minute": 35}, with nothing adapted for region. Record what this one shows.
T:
{"hour": 10, "minute": 20}
